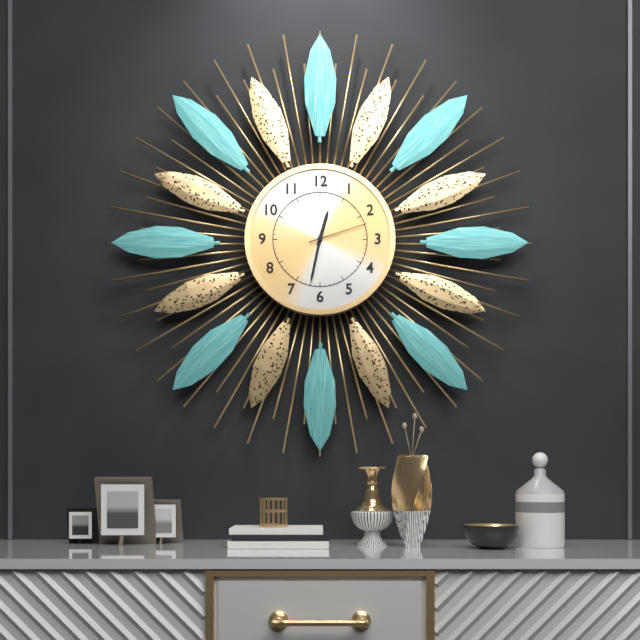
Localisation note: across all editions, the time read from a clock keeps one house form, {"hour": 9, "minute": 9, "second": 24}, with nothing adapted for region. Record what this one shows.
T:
{"hour": 12, "minute": 32, "second": 12}
